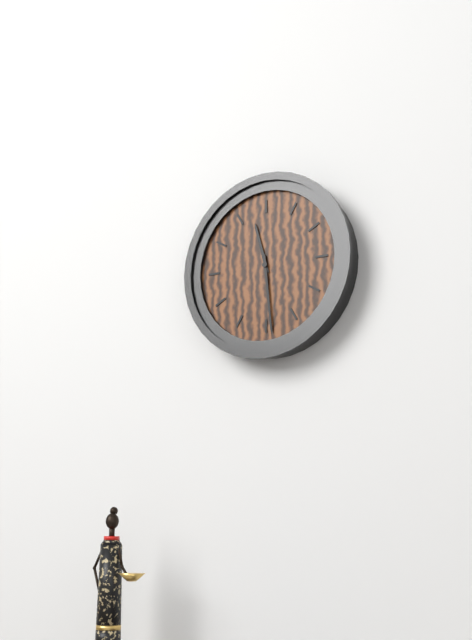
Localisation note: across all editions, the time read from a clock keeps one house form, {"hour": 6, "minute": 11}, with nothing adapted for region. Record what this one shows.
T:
{"hour": 11, "minute": 29}
